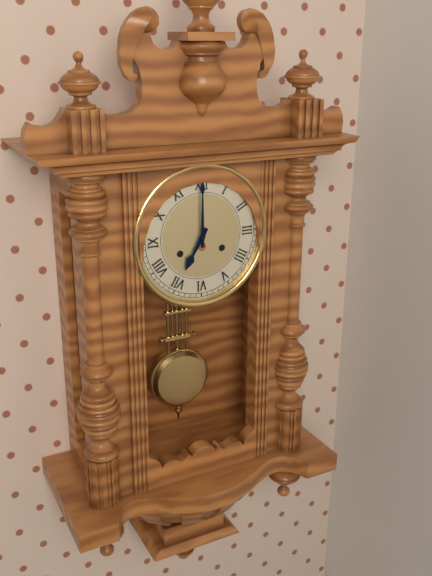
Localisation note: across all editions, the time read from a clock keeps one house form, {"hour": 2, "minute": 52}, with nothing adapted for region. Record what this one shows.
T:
{"hour": 7, "minute": 0}
